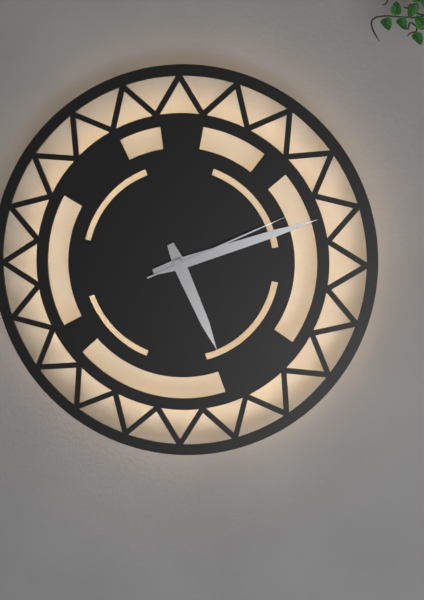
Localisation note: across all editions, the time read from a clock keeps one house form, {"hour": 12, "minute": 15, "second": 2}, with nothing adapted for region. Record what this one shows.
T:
{"hour": 5, "minute": 12, "second": 11}
